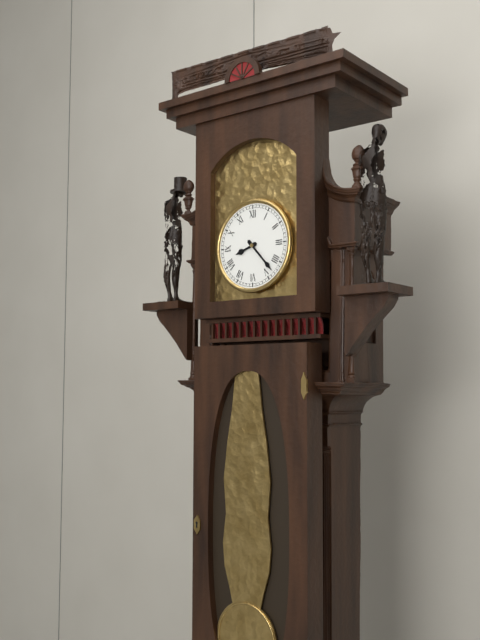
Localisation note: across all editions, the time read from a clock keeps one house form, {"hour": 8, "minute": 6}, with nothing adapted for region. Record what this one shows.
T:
{"hour": 8, "minute": 23}
